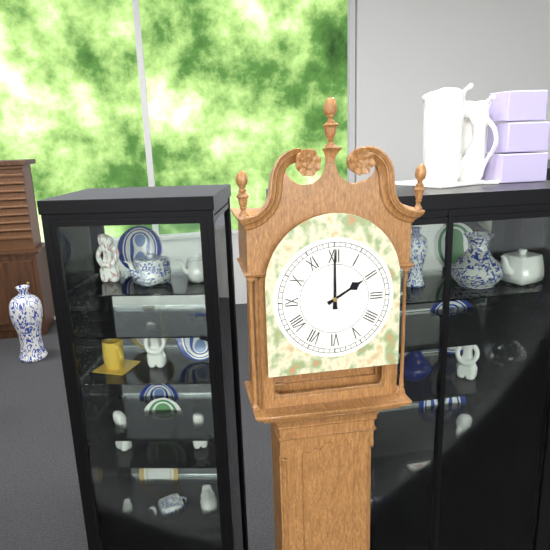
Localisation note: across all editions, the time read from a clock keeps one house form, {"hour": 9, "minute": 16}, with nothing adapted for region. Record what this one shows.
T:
{"hour": 2, "minute": 0}
